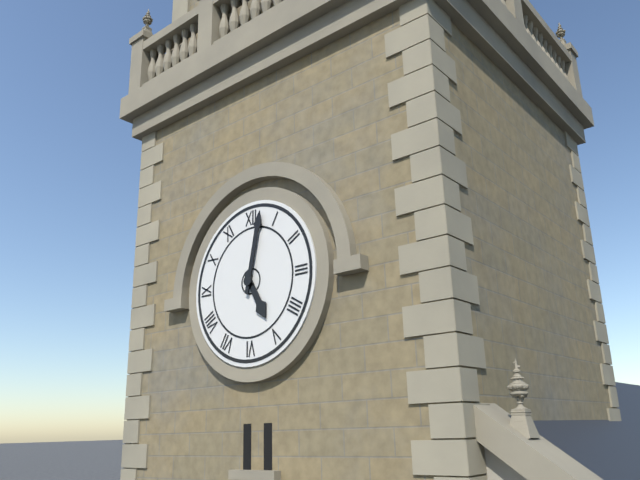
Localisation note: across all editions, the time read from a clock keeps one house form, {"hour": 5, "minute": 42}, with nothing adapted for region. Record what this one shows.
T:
{"hour": 5, "minute": 2}
